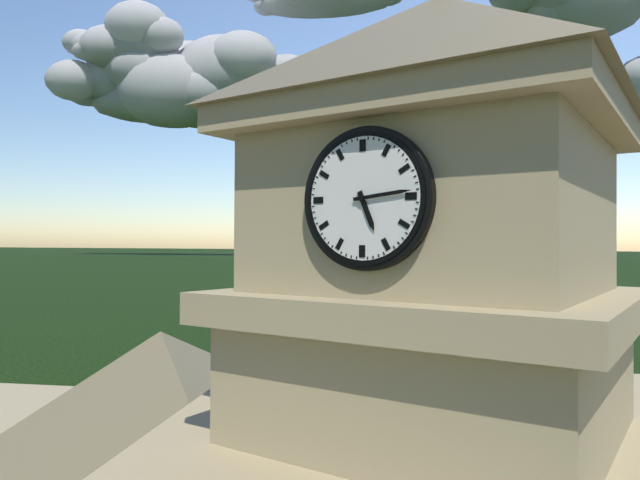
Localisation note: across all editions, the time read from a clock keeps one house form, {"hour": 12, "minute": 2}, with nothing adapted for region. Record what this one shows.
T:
{"hour": 5, "minute": 14}
